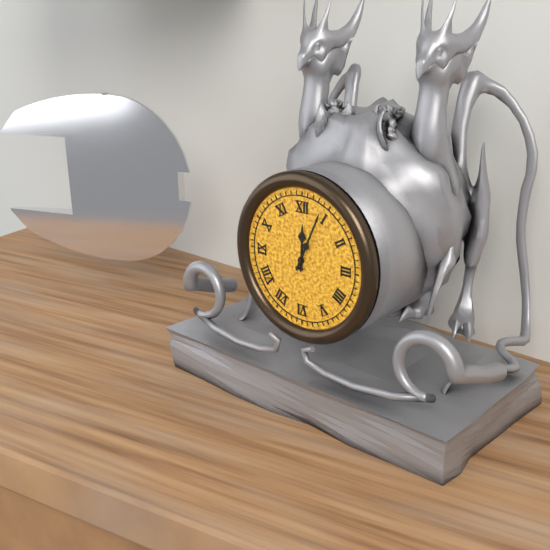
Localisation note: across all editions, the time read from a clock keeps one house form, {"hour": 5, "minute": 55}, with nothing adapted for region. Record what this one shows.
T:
{"hour": 12, "minute": 4}
